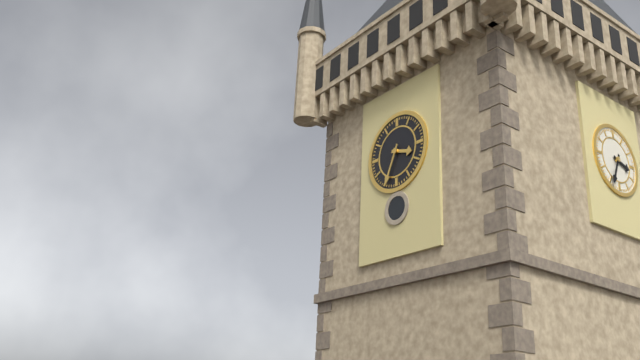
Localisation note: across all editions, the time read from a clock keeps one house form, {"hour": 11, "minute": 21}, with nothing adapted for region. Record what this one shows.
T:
{"hour": 3, "minute": 34}
